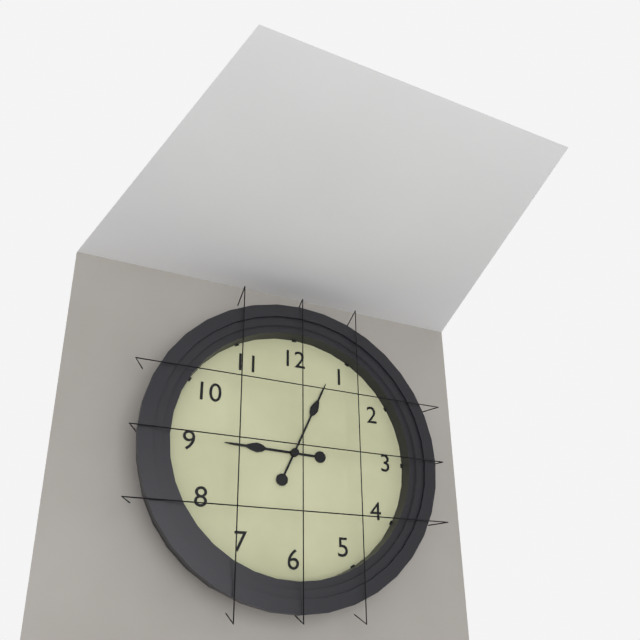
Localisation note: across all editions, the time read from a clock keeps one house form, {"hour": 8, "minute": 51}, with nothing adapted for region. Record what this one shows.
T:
{"hour": 9, "minute": 4}
